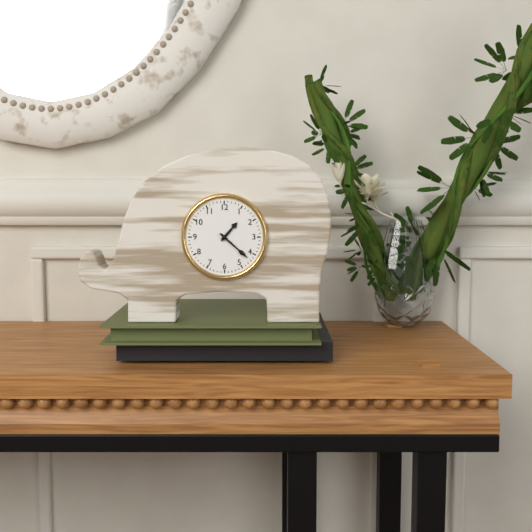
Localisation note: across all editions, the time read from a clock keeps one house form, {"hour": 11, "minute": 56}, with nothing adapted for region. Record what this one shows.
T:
{"hour": 1, "minute": 22}
